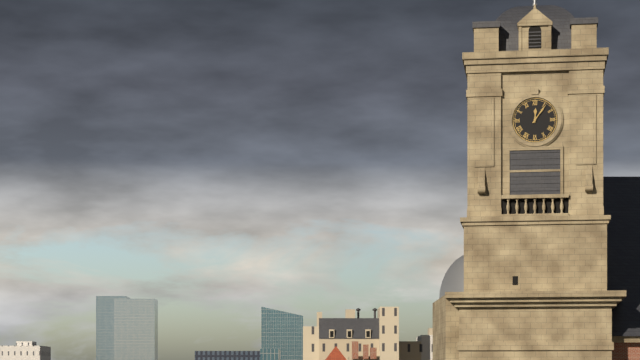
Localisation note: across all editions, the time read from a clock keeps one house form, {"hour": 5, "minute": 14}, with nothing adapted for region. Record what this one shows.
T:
{"hour": 12, "minute": 6}
